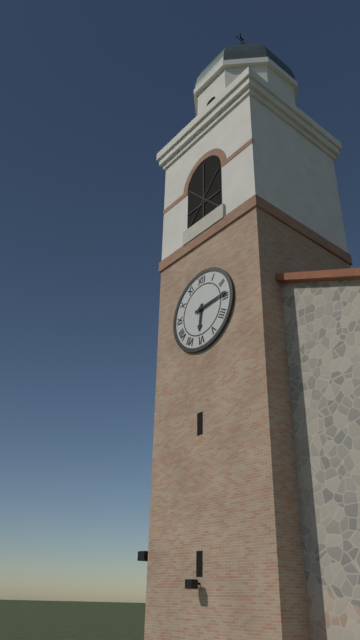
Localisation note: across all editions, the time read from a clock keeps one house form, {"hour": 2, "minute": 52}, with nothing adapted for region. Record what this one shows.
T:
{"hour": 6, "minute": 14}
